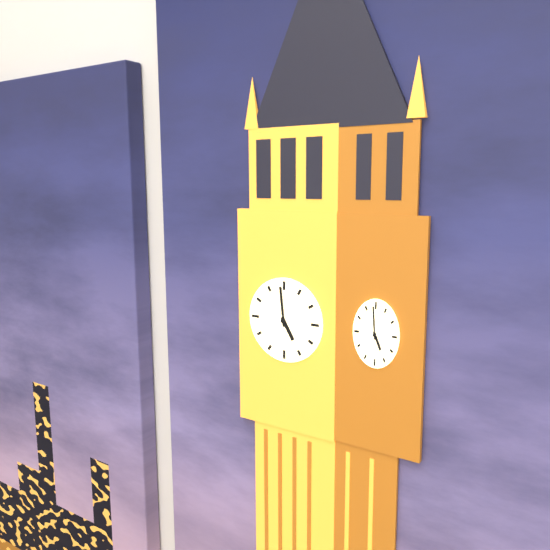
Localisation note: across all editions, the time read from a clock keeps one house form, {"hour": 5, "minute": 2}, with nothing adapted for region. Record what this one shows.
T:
{"hour": 4, "minute": 59}
